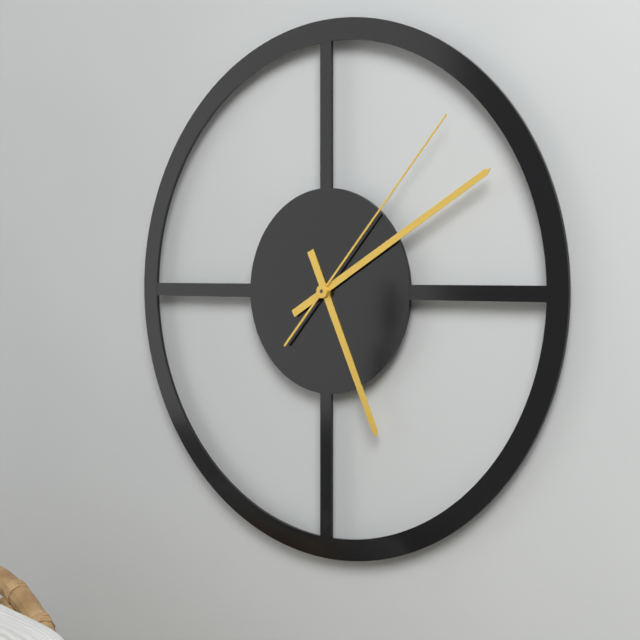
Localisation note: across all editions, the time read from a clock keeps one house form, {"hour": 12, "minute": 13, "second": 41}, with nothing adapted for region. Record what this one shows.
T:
{"hour": 5, "minute": 10, "second": 7}
